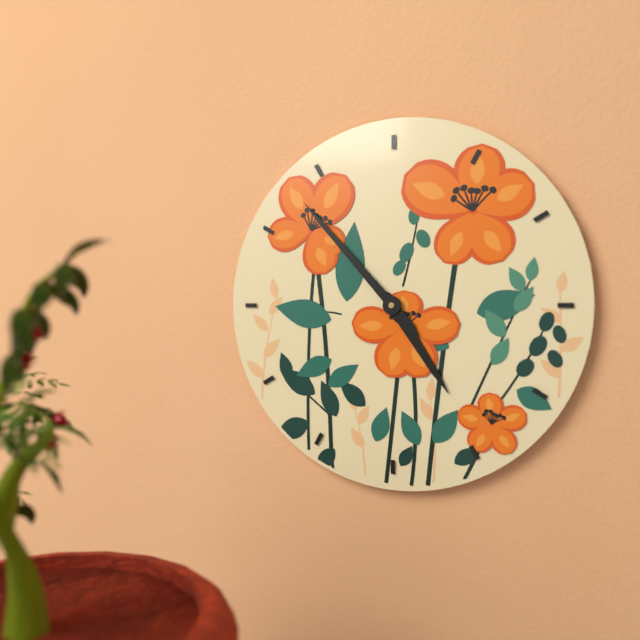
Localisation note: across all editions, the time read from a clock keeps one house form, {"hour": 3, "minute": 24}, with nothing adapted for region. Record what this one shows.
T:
{"hour": 4, "minute": 53}
